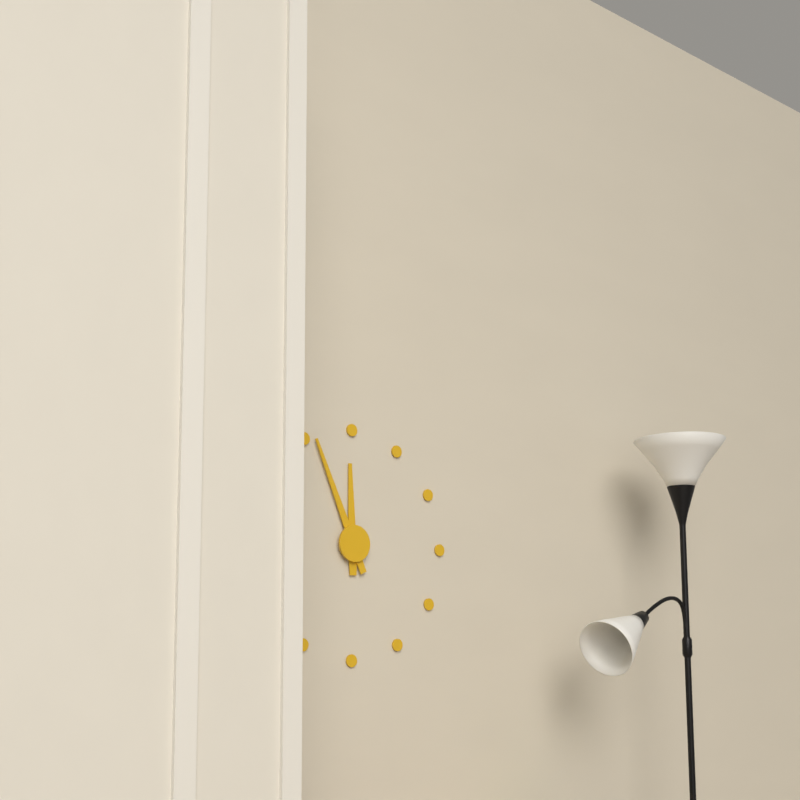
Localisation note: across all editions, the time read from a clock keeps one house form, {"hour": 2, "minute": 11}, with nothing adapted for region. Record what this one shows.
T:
{"hour": 11, "minute": 56}
